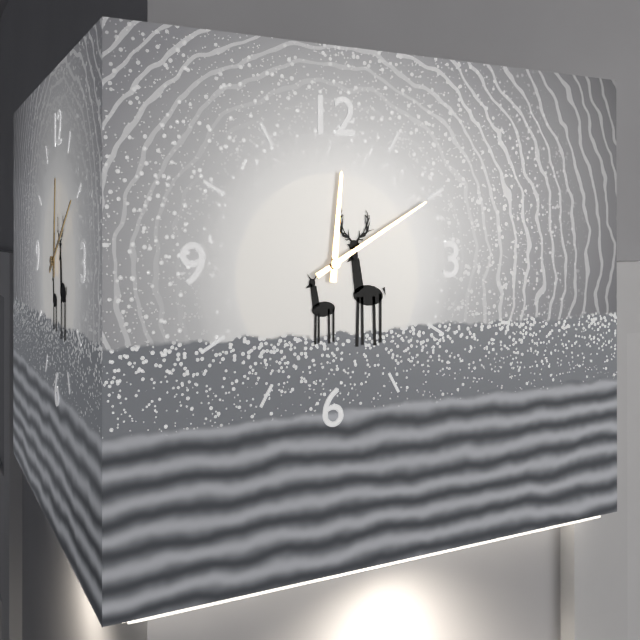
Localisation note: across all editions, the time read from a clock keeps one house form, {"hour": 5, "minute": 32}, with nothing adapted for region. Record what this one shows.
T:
{"hour": 12, "minute": 10}
